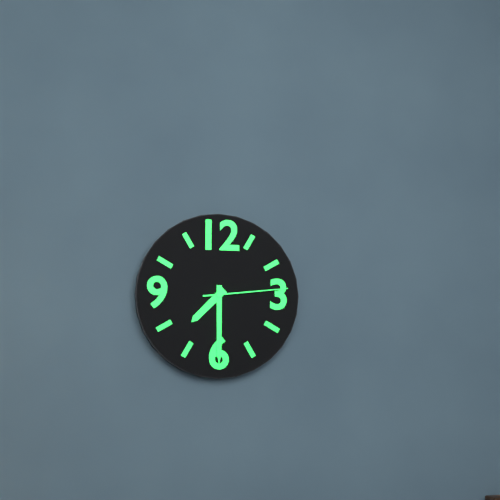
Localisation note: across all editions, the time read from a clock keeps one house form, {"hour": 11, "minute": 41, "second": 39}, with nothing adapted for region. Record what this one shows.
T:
{"hour": 7, "minute": 30, "second": 14}
